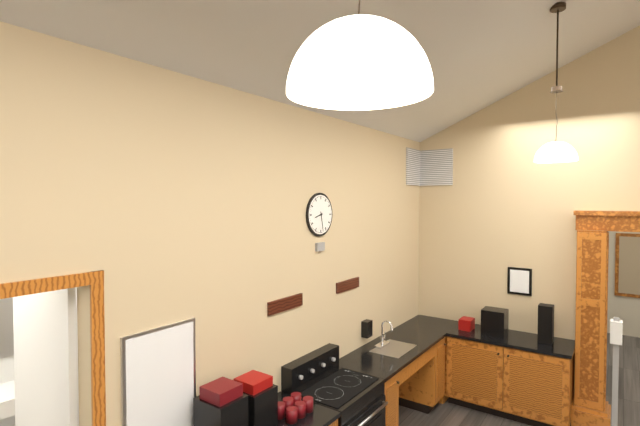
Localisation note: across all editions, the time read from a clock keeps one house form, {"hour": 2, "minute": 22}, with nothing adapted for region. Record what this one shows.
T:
{"hour": 8, "minute": 28}
